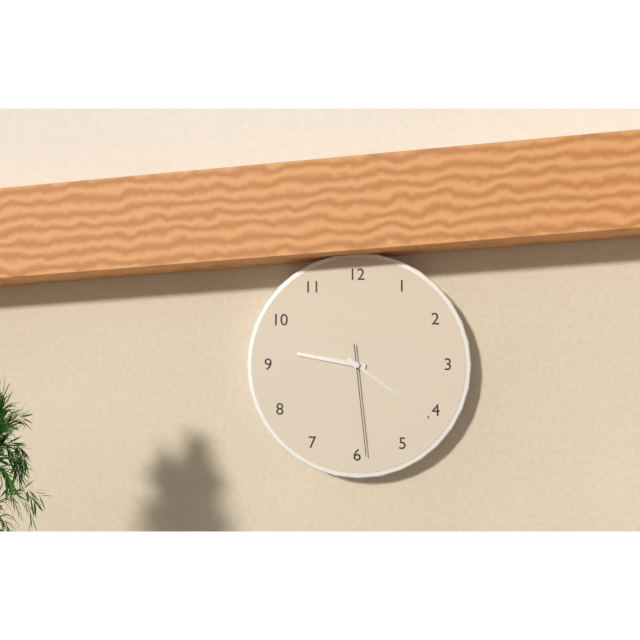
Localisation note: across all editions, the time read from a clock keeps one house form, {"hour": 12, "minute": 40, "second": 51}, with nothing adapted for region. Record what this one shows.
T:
{"hour": 9, "minute": 21, "second": 29}
